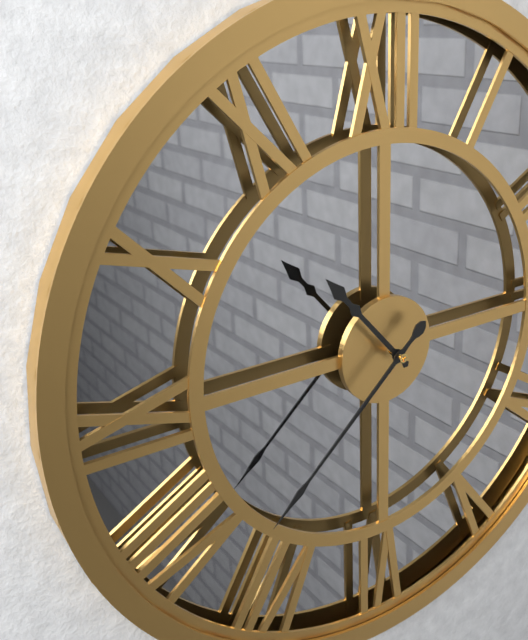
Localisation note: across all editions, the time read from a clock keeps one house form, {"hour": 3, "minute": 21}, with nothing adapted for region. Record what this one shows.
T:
{"hour": 10, "minute": 38}
